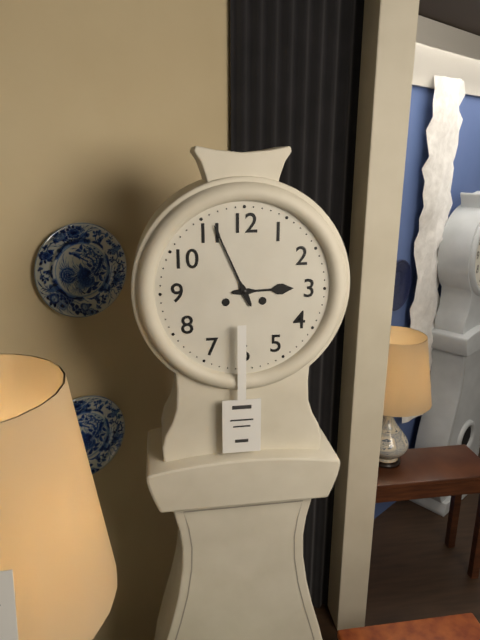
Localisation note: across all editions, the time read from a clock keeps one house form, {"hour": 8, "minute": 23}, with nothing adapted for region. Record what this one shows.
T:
{"hour": 2, "minute": 56}
